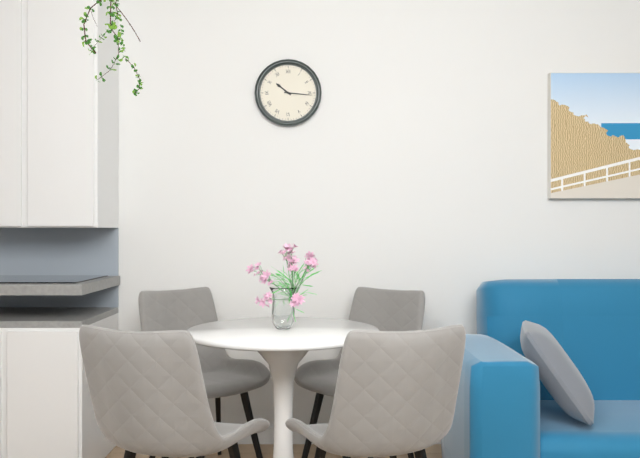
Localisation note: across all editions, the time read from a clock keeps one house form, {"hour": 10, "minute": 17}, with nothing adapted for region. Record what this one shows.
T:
{"hour": 10, "minute": 16}
